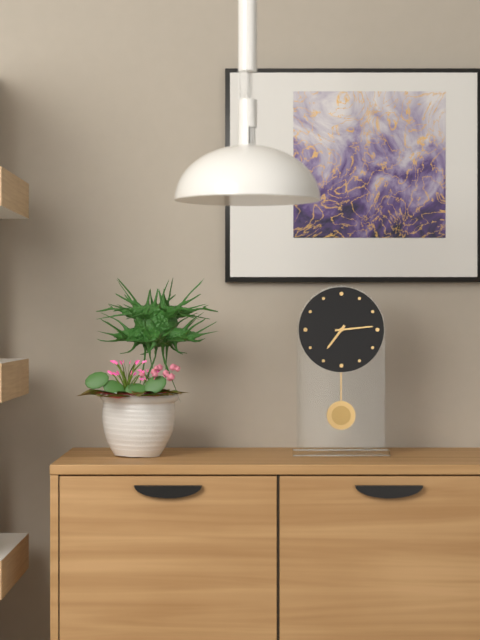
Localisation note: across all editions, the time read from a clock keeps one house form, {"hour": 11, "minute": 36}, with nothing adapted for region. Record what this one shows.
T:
{"hour": 7, "minute": 14}
